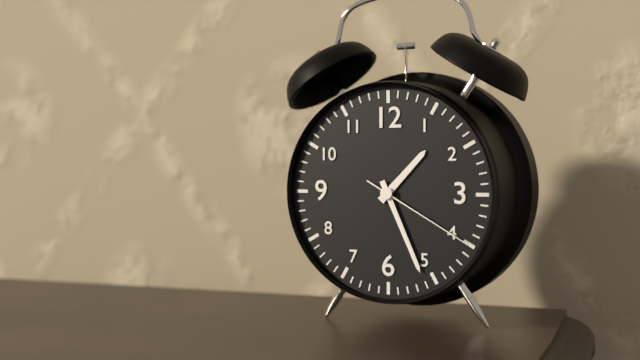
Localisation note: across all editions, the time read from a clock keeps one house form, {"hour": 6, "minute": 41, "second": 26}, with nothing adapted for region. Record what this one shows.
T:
{"hour": 1, "minute": 26, "second": 20}
